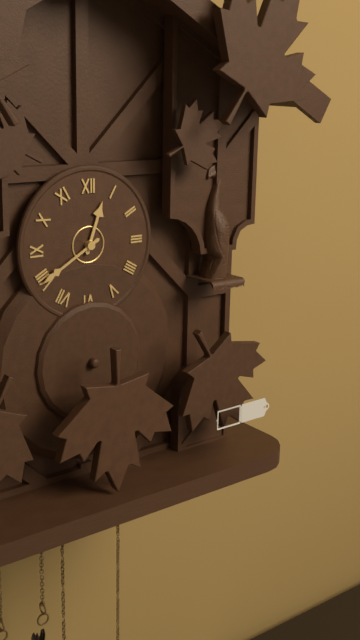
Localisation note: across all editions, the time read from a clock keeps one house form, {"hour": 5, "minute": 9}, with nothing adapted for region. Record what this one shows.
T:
{"hour": 12, "minute": 40}
